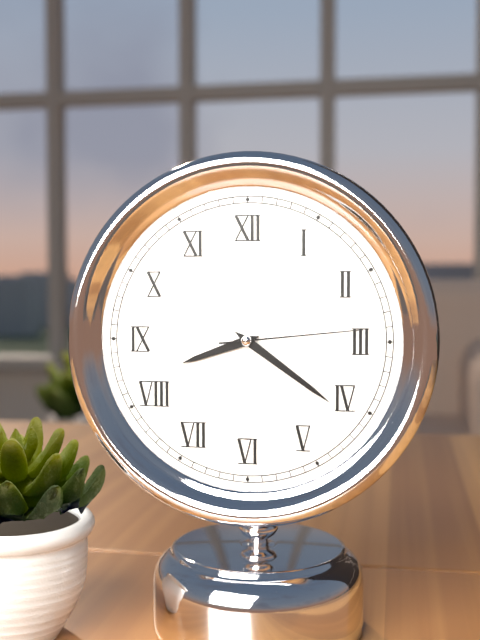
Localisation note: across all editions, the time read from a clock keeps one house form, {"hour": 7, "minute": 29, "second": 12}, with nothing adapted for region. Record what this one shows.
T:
{"hour": 8, "minute": 21, "second": 14}
